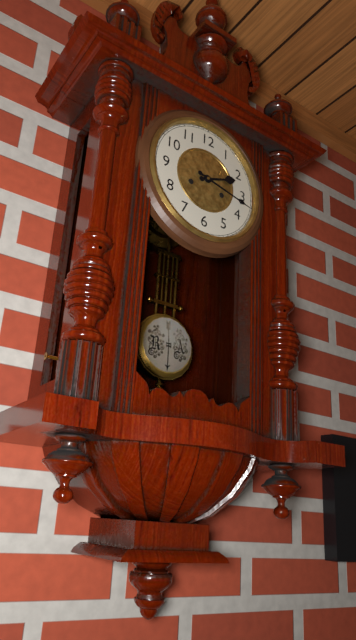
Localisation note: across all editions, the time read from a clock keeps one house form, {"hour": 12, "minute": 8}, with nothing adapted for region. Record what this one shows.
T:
{"hour": 2, "minute": 17}
